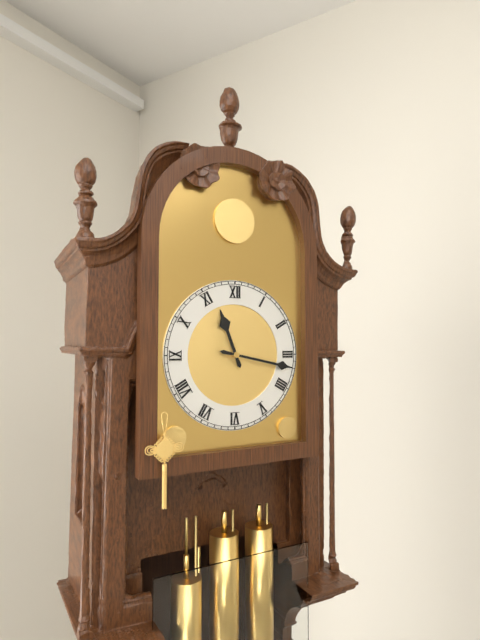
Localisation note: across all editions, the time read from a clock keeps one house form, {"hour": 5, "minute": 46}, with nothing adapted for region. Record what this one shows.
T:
{"hour": 11, "minute": 17}
